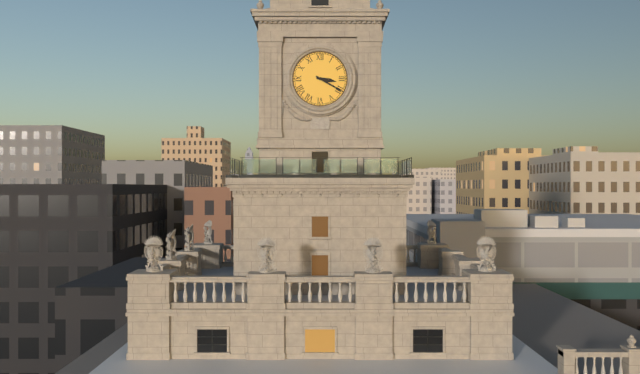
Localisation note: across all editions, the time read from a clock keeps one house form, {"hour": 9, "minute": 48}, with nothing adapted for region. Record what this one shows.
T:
{"hour": 3, "minute": 20}
